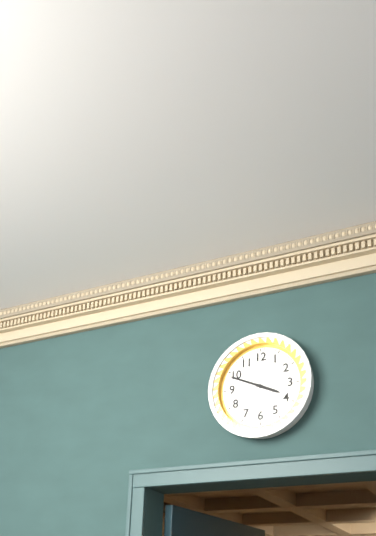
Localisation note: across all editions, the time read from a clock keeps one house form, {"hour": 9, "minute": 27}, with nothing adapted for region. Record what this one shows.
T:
{"hour": 3, "minute": 49}
